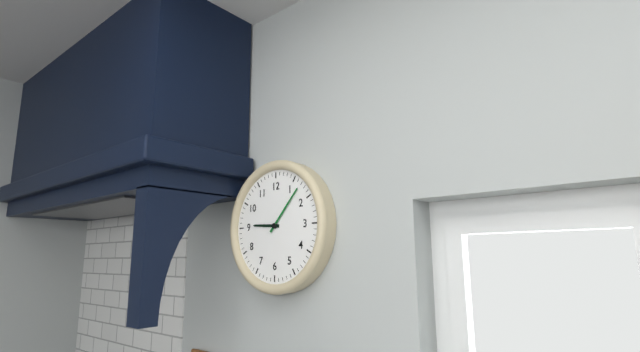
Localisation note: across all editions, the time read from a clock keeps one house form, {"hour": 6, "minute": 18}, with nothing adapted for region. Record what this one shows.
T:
{"hour": 9, "minute": 7}
